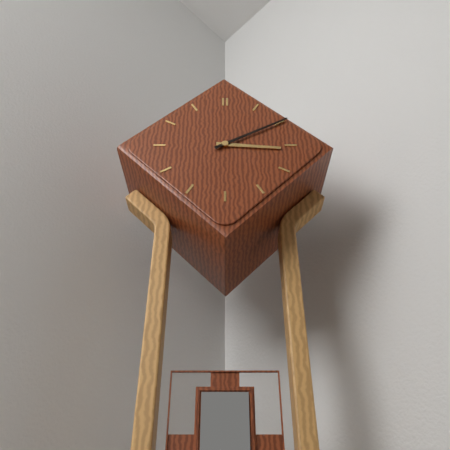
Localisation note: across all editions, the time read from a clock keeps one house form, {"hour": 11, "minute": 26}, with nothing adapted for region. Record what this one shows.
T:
{"hour": 3, "minute": 10}
